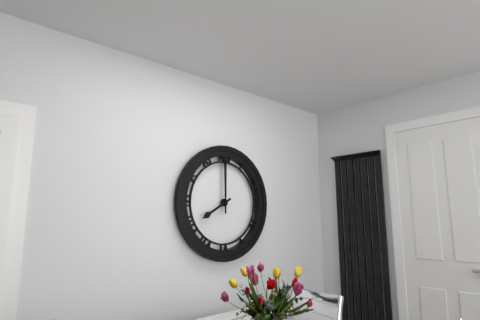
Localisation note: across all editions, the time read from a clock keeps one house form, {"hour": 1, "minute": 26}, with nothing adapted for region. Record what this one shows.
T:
{"hour": 8, "minute": 0}
